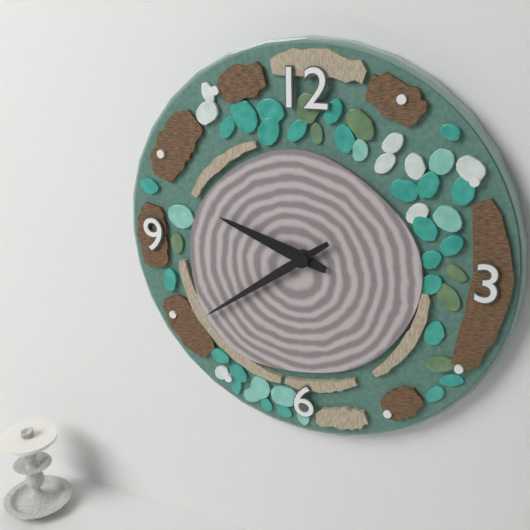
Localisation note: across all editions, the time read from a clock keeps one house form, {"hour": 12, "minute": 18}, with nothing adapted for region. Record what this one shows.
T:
{"hour": 9, "minute": 39}
